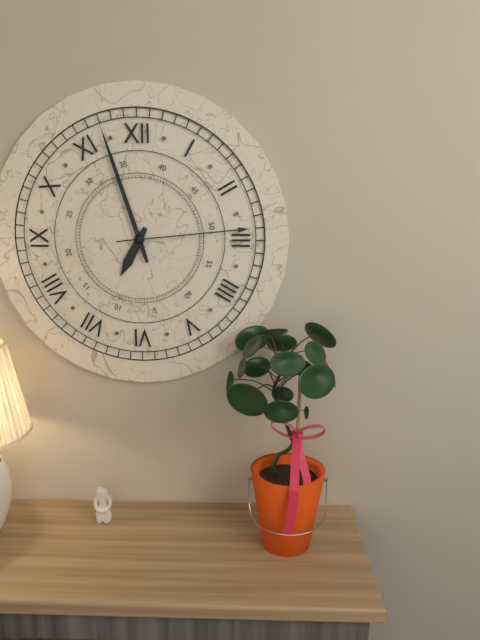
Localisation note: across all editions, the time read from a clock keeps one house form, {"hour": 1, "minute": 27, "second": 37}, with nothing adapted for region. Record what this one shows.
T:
{"hour": 6, "minute": 57, "second": 14}
